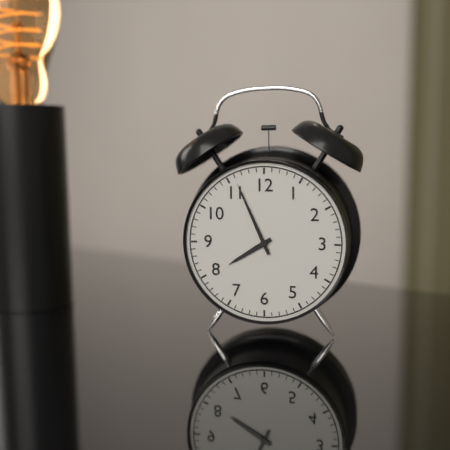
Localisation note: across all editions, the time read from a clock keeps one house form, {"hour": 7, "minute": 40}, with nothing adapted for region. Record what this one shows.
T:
{"hour": 7, "minute": 56}
